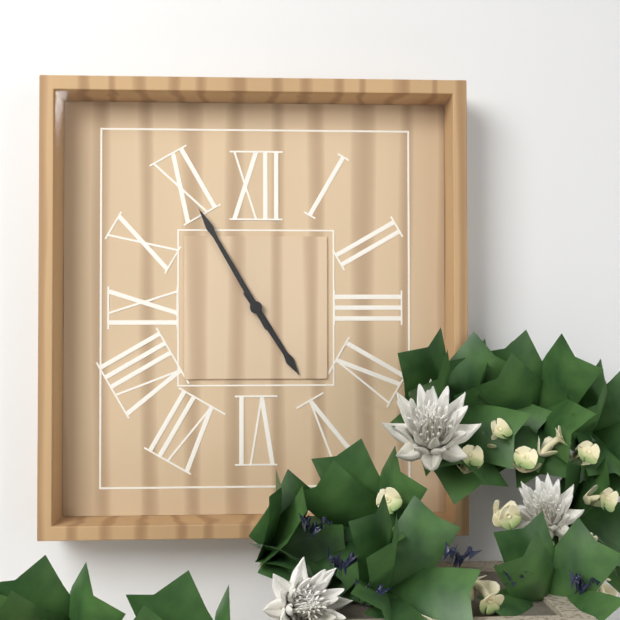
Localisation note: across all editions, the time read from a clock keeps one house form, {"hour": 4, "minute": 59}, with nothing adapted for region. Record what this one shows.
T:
{"hour": 4, "minute": 55}
